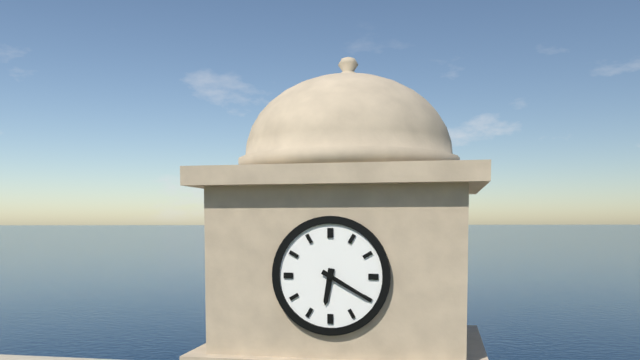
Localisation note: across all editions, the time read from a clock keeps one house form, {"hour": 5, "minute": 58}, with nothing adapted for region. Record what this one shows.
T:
{"hour": 6, "minute": 20}
